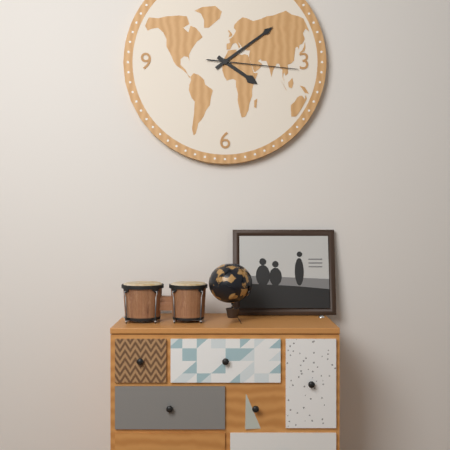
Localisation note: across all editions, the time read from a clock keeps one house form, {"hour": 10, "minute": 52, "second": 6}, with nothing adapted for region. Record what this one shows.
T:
{"hour": 4, "minute": 9, "second": 16}
